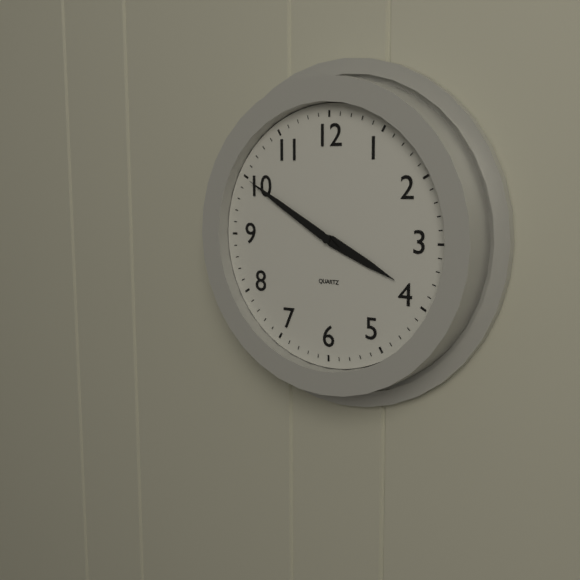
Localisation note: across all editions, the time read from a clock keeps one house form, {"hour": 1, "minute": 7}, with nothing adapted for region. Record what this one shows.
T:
{"hour": 3, "minute": 50}
